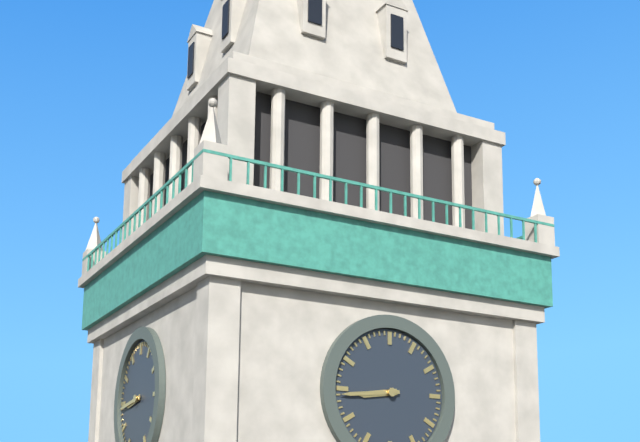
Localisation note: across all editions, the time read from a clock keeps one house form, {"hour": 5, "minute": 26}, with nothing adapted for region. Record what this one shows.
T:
{"hour": 8, "minute": 44}
